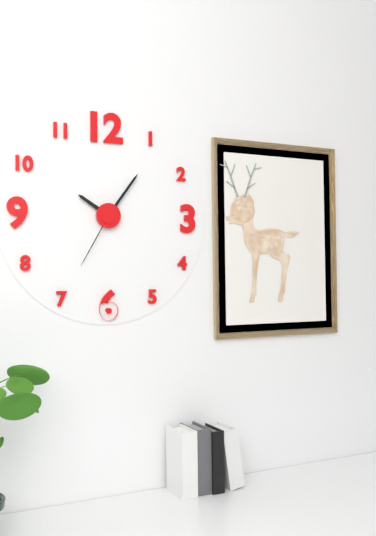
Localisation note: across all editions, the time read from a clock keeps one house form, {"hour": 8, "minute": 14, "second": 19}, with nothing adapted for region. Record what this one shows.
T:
{"hour": 10, "minute": 6, "second": 35}
